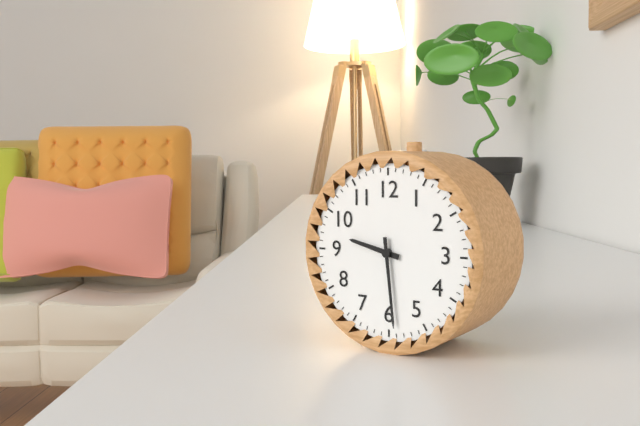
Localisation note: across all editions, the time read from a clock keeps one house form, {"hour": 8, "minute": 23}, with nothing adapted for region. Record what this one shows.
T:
{"hour": 9, "minute": 29}
